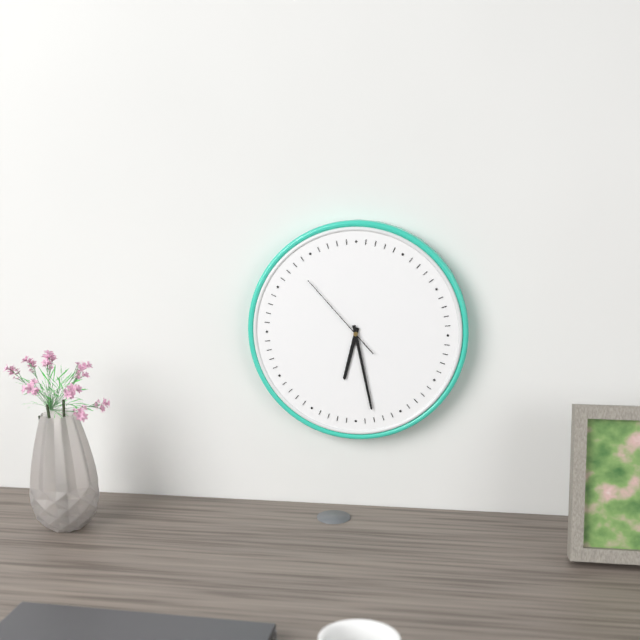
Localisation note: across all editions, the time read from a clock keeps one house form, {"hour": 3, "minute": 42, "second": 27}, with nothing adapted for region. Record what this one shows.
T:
{"hour": 6, "minute": 28, "second": 53}
